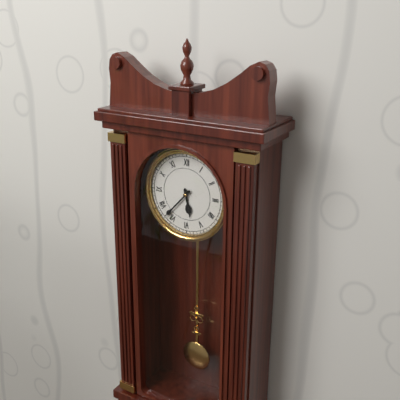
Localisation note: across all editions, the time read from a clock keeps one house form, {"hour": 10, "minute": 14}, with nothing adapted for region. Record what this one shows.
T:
{"hour": 5, "minute": 37}
